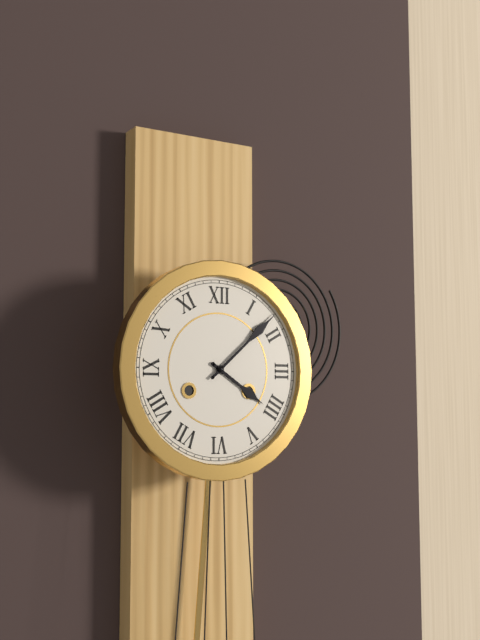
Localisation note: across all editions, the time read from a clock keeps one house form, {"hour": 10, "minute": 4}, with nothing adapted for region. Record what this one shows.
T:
{"hour": 4, "minute": 8}
